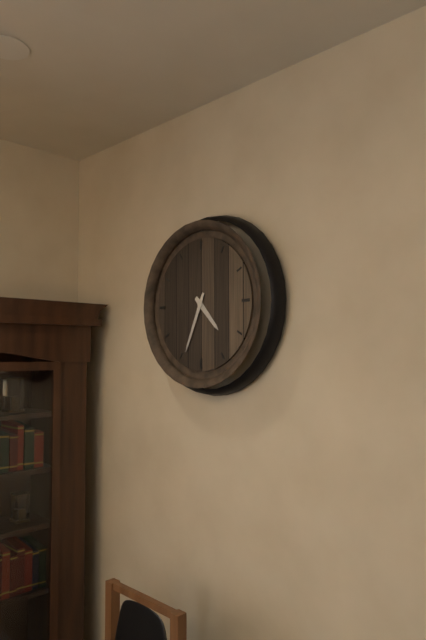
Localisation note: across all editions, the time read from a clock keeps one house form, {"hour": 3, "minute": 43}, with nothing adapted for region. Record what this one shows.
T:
{"hour": 4, "minute": 34}
